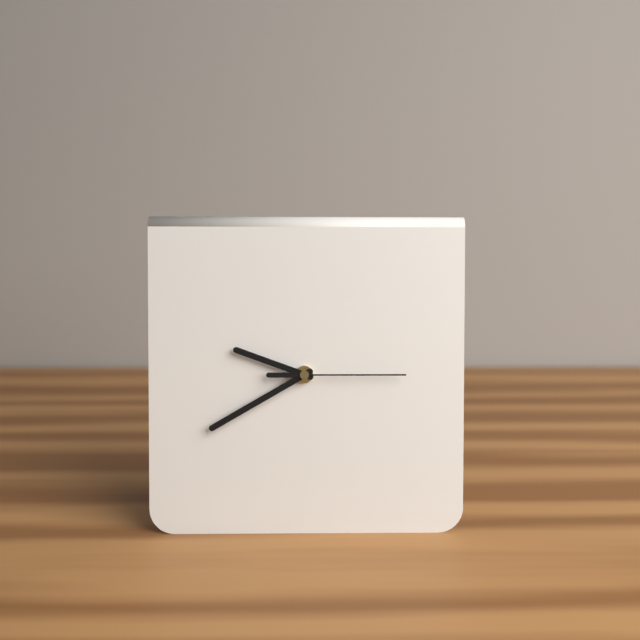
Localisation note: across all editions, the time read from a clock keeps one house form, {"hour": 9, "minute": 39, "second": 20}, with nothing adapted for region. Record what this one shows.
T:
{"hour": 9, "minute": 40, "second": 15}
